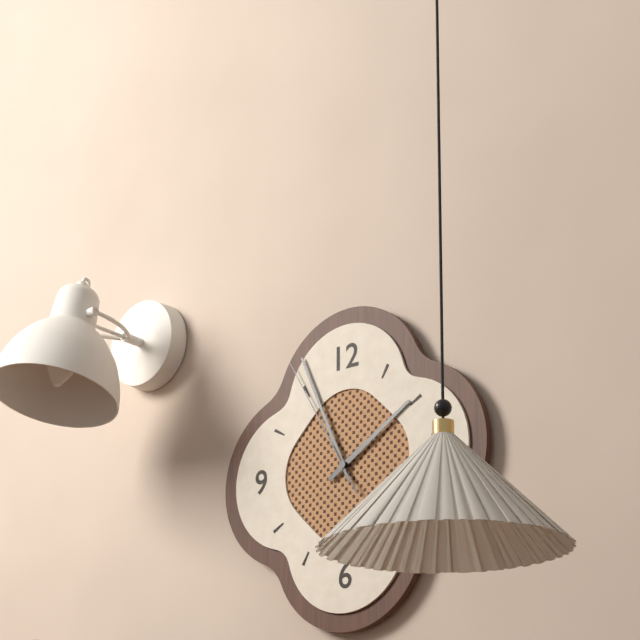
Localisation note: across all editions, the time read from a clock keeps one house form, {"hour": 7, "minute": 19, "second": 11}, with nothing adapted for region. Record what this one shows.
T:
{"hour": 1, "minute": 56, "second": 55}
